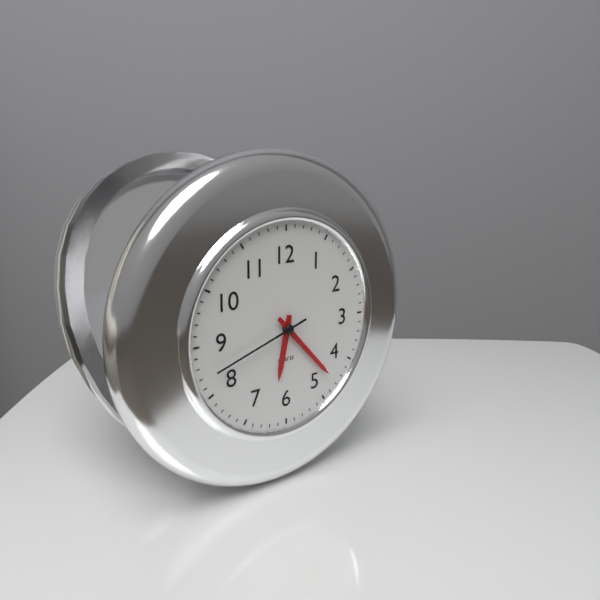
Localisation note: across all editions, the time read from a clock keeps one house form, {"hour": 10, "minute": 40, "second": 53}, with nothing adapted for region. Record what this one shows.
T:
{"hour": 6, "minute": 23, "second": 42}
